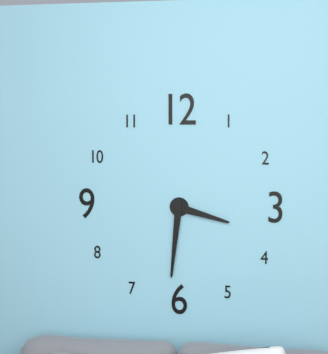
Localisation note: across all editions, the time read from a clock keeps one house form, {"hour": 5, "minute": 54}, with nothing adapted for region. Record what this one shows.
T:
{"hour": 3, "minute": 31}
